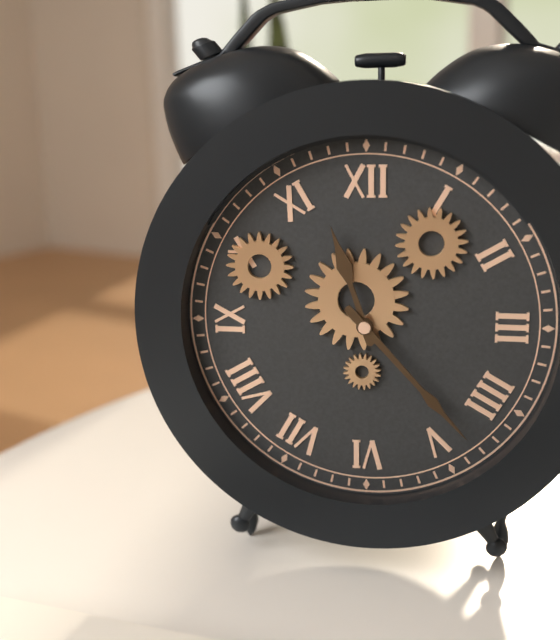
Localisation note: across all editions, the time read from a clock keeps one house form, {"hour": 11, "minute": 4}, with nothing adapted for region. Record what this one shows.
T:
{"hour": 11, "minute": 23}
